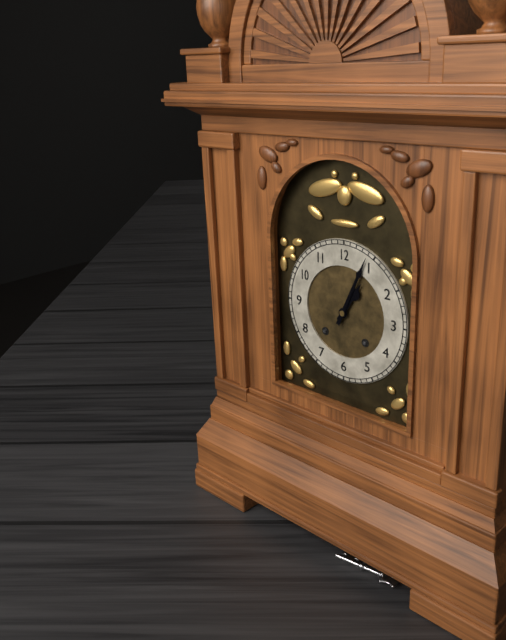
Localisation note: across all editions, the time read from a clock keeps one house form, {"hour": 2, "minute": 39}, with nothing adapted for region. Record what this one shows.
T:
{"hour": 1, "minute": 4}
